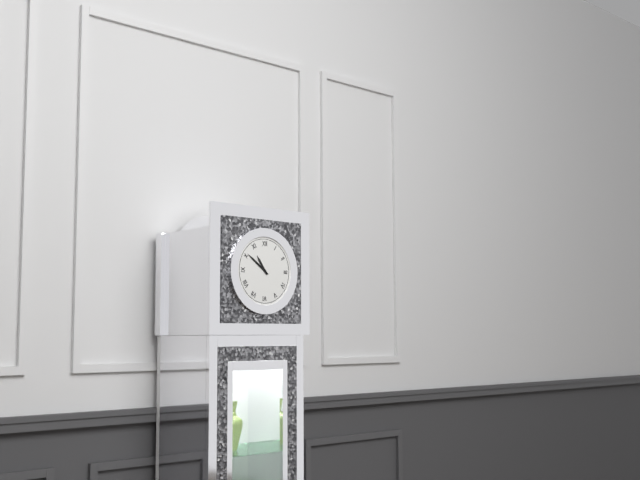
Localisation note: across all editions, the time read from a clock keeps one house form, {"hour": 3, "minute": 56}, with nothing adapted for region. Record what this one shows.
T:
{"hour": 10, "minute": 51}
